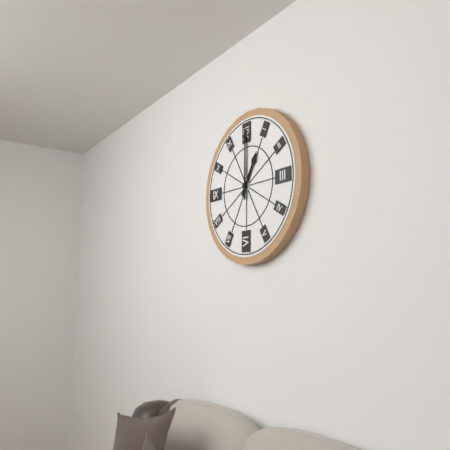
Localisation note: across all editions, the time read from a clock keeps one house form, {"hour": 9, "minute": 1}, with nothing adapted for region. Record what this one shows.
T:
{"hour": 1, "minute": 0}
